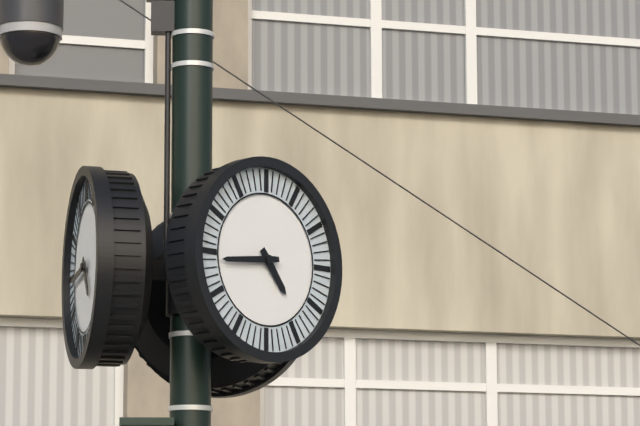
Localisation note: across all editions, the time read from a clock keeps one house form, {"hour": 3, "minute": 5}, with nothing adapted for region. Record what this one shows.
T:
{"hour": 4, "minute": 44}
